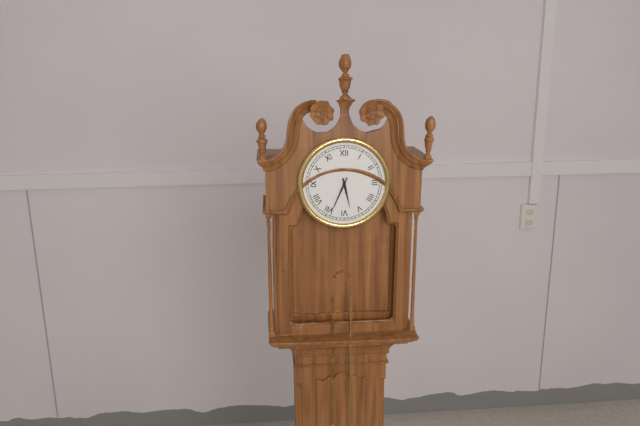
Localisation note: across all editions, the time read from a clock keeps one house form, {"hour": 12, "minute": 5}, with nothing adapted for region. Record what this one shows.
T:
{"hour": 5, "minute": 34}
